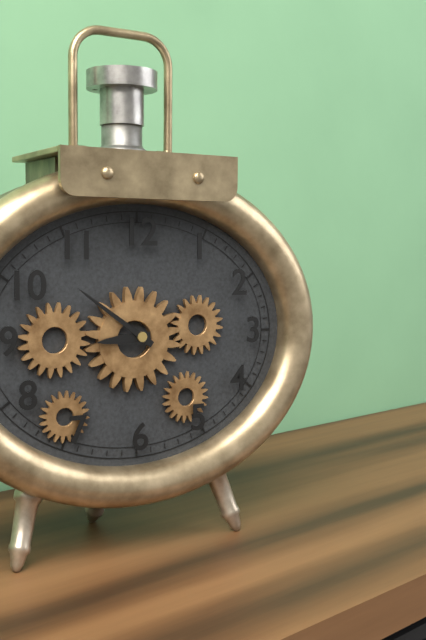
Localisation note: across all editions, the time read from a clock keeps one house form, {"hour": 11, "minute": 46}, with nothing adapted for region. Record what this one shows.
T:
{"hour": 8, "minute": 51}
